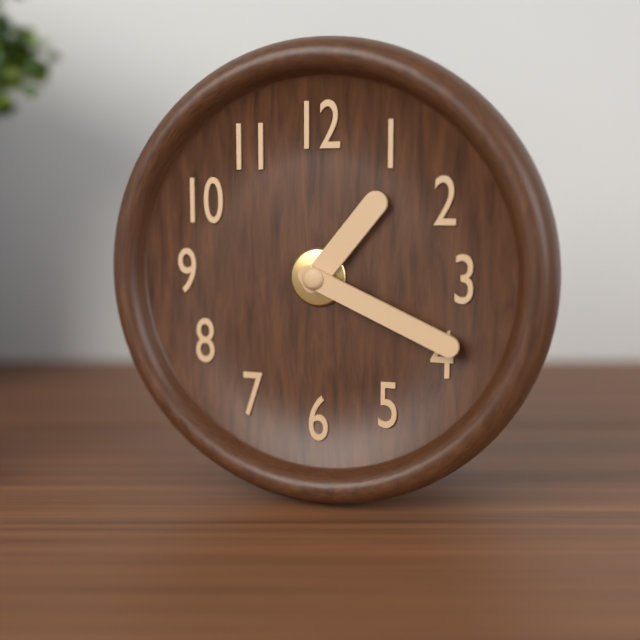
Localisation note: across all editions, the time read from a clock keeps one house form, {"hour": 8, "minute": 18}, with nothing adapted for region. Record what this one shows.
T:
{"hour": 1, "minute": 19}
